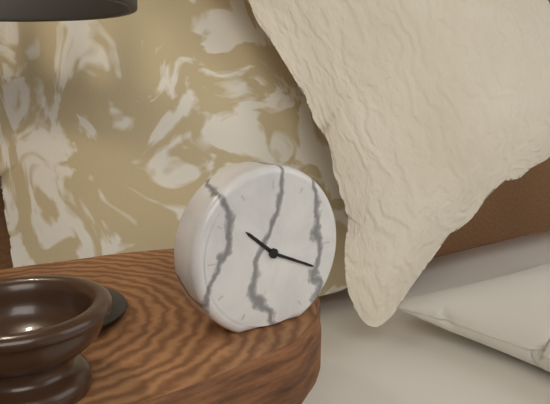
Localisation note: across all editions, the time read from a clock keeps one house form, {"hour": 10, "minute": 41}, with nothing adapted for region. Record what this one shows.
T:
{"hour": 10, "minute": 19}
